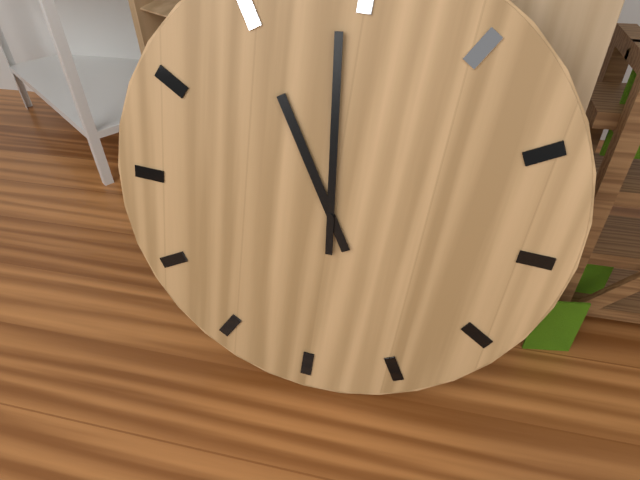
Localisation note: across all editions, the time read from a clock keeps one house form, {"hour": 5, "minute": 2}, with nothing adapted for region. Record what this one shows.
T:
{"hour": 10, "minute": 59}
